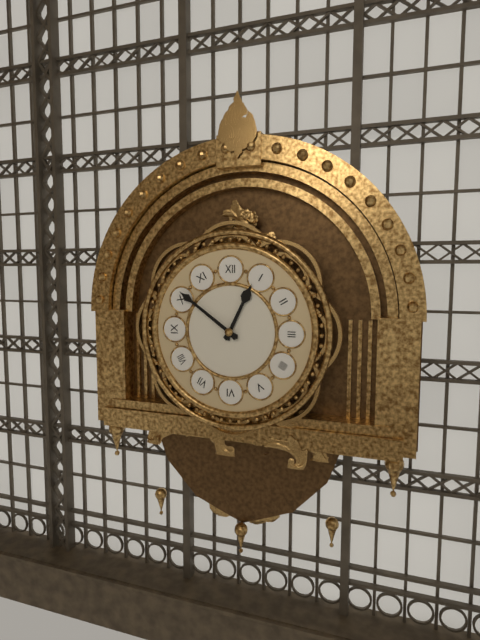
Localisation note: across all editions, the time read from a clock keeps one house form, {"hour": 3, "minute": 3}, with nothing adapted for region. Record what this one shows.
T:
{"hour": 12, "minute": 51}
